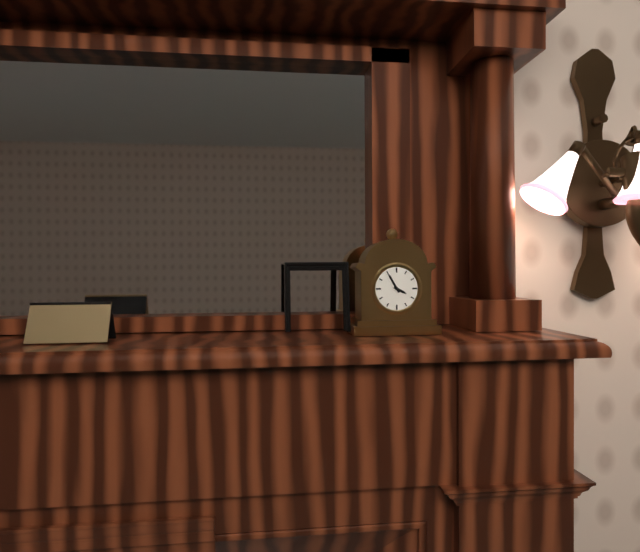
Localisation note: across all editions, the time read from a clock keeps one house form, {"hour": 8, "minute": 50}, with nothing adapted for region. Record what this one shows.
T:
{"hour": 3, "minute": 55}
